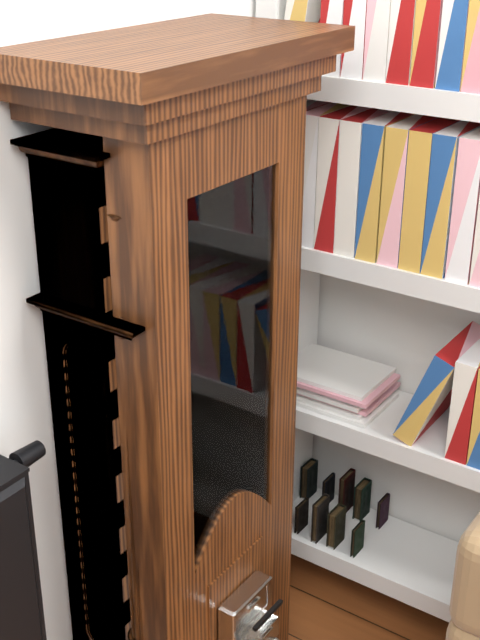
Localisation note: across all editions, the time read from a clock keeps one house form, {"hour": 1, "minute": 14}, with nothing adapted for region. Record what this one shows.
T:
{"hour": 4, "minute": 54}
